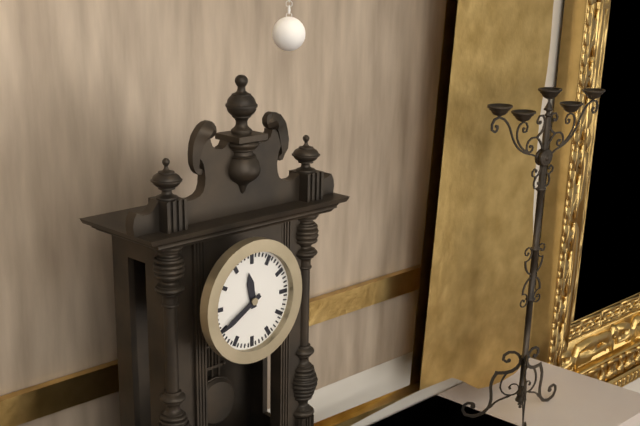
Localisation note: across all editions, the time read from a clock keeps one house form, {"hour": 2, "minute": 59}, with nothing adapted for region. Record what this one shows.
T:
{"hour": 11, "minute": 40}
